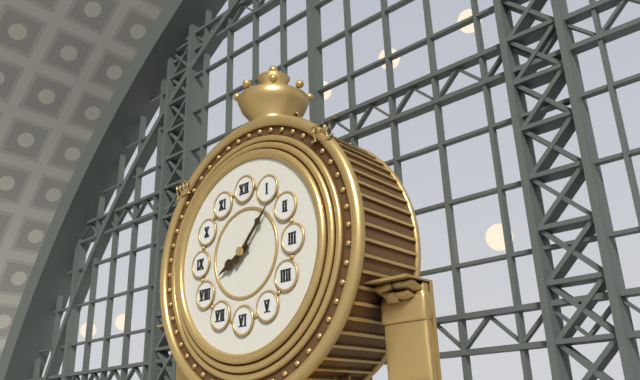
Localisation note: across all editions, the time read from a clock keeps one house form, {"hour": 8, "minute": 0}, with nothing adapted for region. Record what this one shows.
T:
{"hour": 8, "minute": 7}
